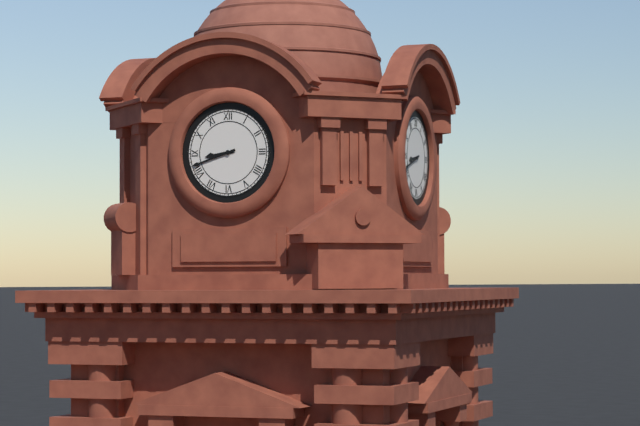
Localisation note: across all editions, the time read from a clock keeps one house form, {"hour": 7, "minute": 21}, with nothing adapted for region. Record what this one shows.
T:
{"hour": 8, "minute": 42}
